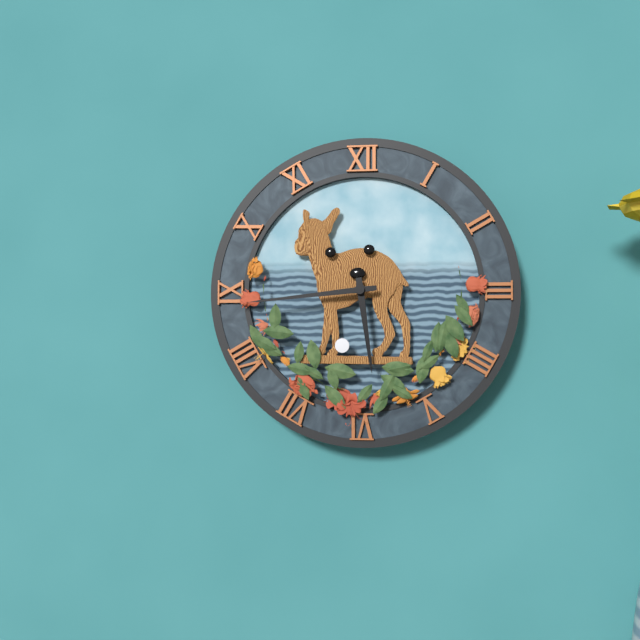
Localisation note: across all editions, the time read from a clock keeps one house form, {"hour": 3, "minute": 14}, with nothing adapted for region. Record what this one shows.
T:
{"hour": 5, "minute": 44}
